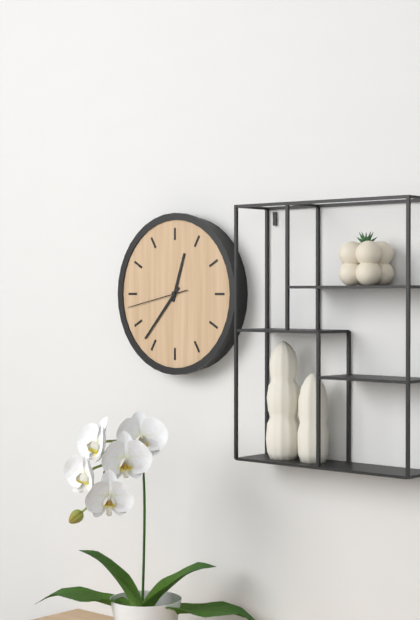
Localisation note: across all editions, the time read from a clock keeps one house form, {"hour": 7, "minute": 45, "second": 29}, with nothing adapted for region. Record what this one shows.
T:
{"hour": 12, "minute": 37, "second": 43}
